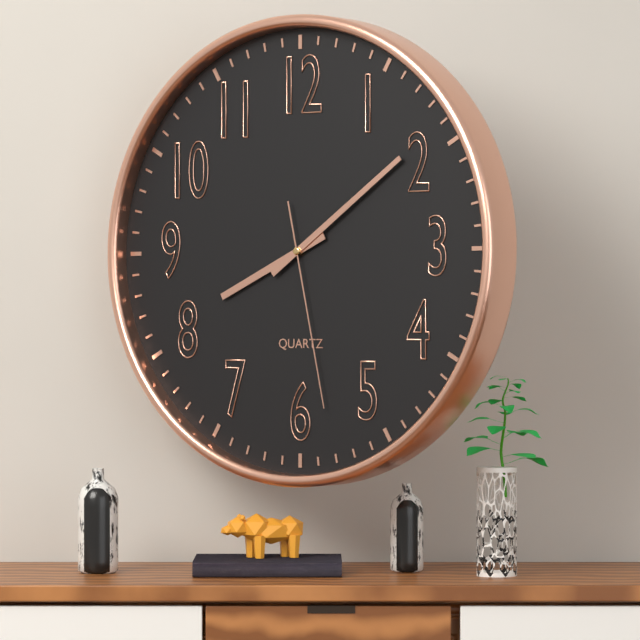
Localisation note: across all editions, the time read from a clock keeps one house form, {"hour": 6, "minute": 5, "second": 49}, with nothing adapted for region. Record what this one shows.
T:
{"hour": 8, "minute": 9, "second": 28}
